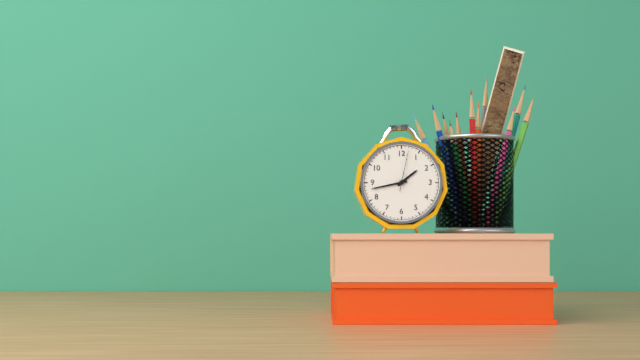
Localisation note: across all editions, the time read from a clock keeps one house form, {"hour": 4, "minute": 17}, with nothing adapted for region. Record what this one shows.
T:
{"hour": 1, "minute": 43}
